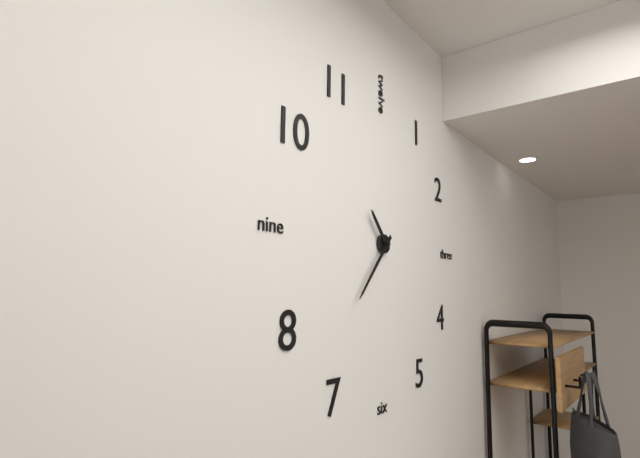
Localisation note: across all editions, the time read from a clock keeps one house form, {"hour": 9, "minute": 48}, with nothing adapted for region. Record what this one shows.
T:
{"hour": 10, "minute": 37}
